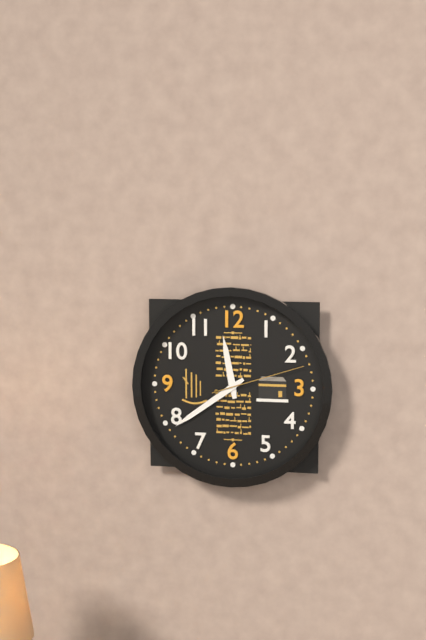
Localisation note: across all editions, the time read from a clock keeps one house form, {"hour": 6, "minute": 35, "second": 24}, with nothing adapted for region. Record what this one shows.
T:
{"hour": 11, "minute": 39, "second": 12}
